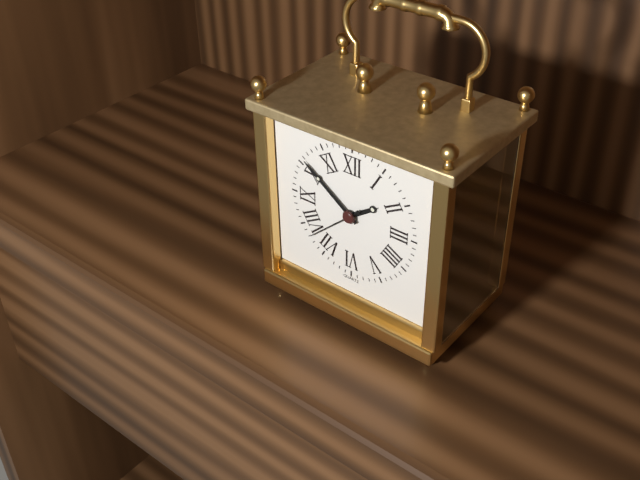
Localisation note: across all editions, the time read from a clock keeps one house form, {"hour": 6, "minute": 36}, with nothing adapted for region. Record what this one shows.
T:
{"hour": 1, "minute": 51}
